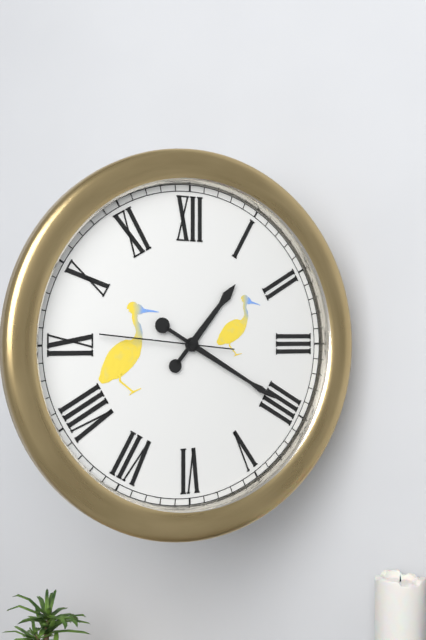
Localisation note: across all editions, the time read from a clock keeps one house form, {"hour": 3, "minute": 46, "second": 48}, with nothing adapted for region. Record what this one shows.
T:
{"hour": 1, "minute": 20, "second": 46}
